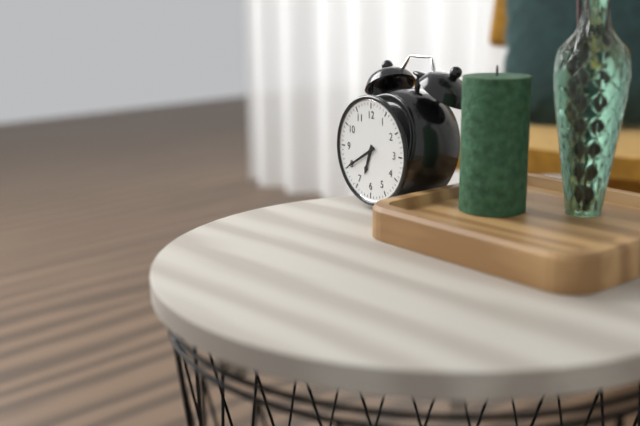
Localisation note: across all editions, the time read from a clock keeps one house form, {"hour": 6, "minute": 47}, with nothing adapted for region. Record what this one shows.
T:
{"hour": 6, "minute": 40}
